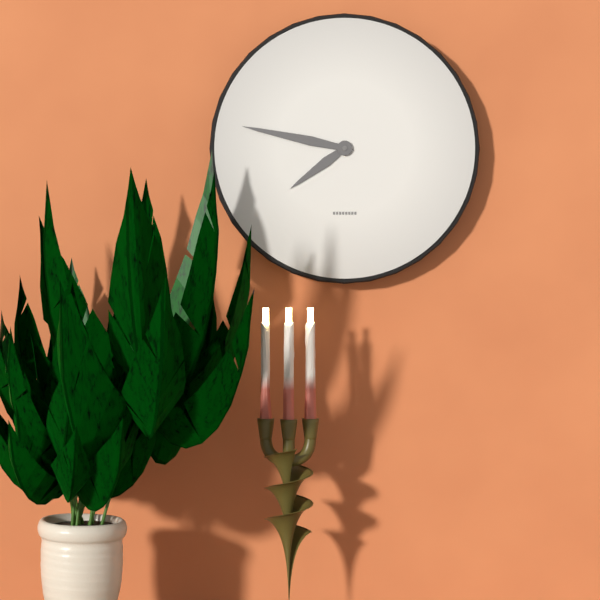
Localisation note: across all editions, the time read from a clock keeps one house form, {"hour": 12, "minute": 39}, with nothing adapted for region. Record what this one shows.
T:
{"hour": 7, "minute": 47}
